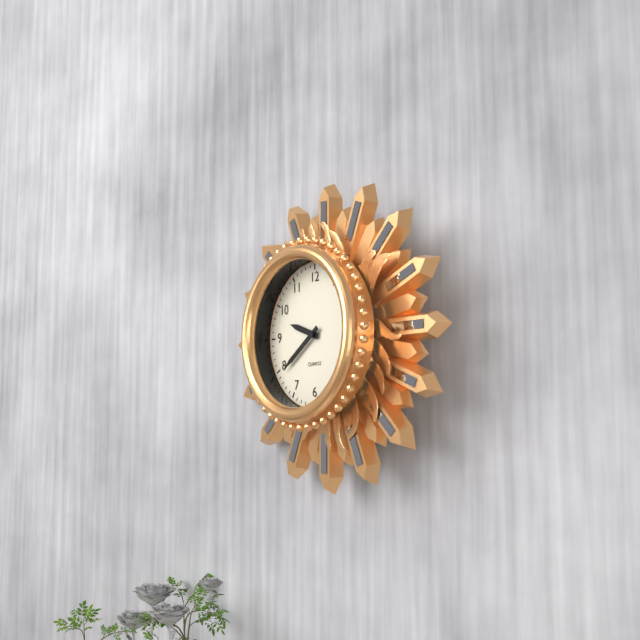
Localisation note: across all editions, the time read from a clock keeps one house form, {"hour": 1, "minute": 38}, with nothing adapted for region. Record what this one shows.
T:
{"hour": 9, "minute": 39}
